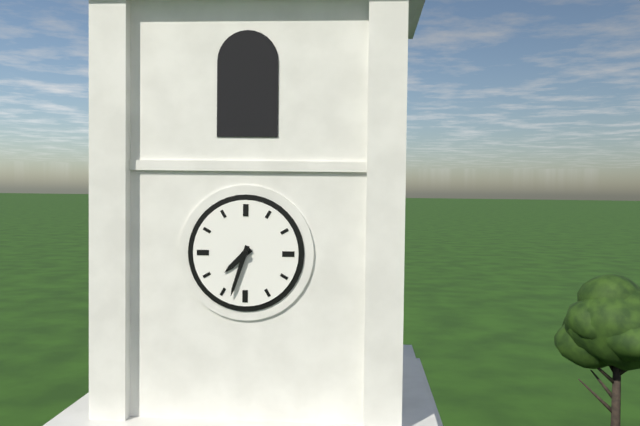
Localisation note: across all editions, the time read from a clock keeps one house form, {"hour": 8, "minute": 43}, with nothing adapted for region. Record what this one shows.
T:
{"hour": 7, "minute": 33}
